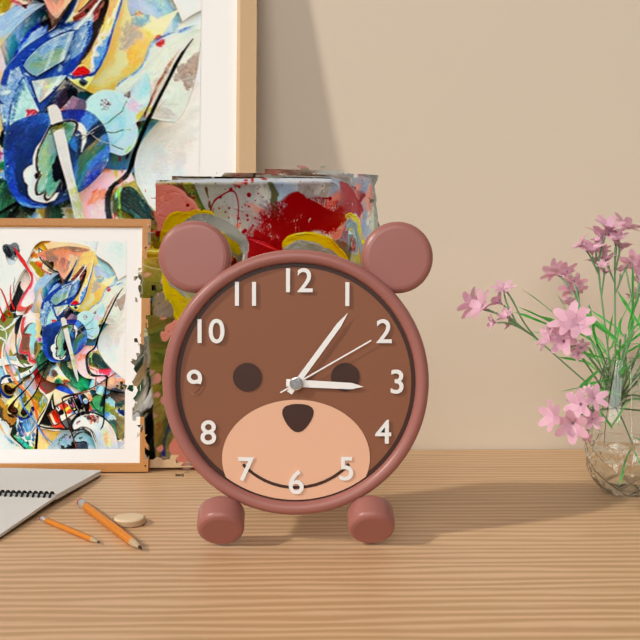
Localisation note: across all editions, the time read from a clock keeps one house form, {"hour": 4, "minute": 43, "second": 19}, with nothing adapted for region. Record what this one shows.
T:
{"hour": 3, "minute": 6, "second": 10}
